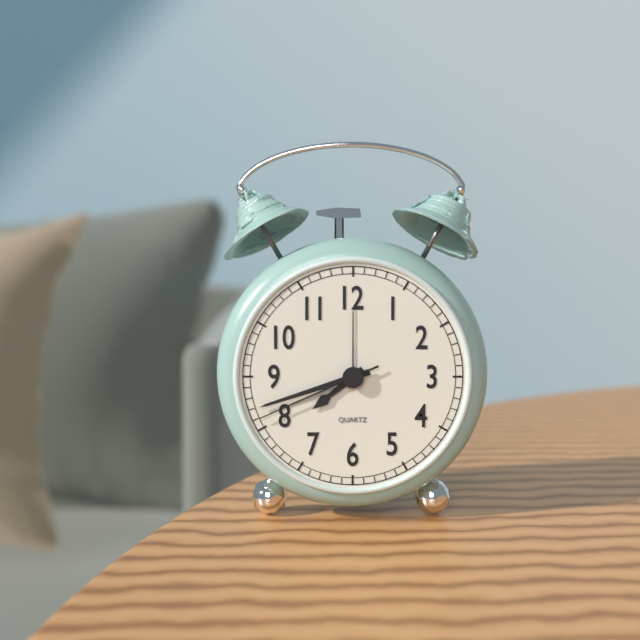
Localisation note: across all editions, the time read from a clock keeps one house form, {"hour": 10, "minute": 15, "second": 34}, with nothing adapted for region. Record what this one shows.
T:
{"hour": 7, "minute": 42, "second": 41}
